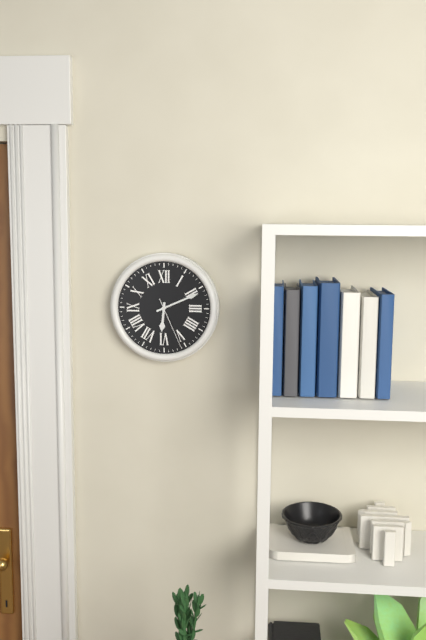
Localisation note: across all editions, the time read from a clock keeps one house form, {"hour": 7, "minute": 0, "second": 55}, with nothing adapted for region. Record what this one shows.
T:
{"hour": 6, "minute": 11, "second": 26}
